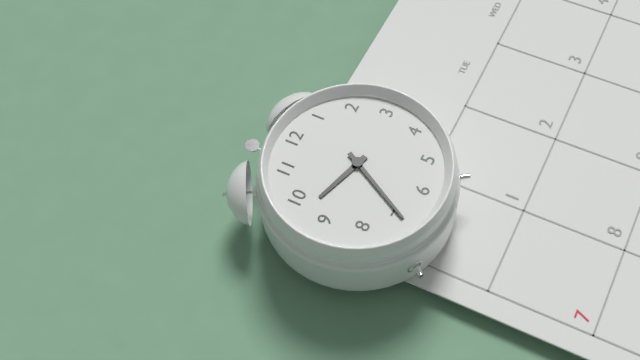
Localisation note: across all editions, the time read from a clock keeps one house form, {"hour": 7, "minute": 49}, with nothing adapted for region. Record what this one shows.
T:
{"hour": 9, "minute": 35}
